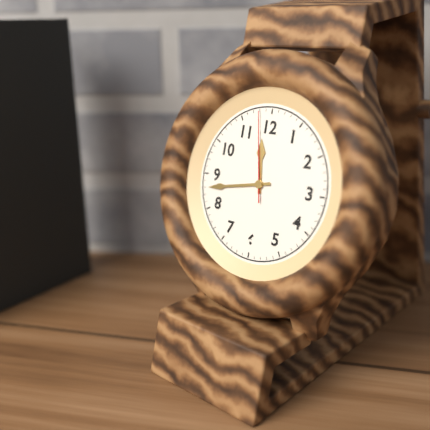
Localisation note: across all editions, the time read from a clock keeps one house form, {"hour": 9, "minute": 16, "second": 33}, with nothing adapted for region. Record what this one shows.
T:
{"hour": 11, "minute": 43, "second": 58}
